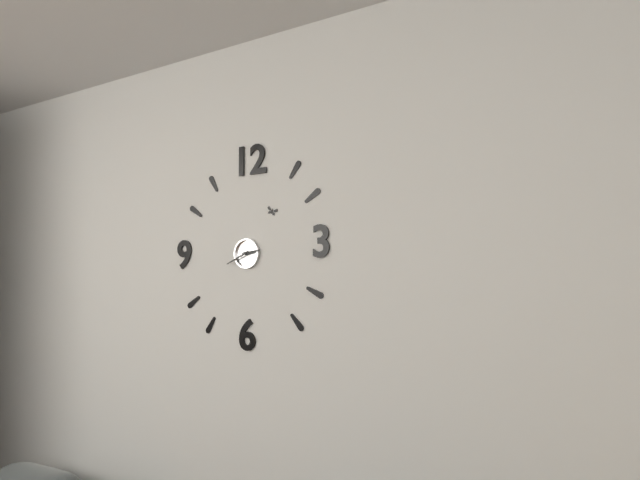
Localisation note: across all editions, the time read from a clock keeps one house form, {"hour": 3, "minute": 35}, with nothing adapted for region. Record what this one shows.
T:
{"hour": 2, "minute": 41}
